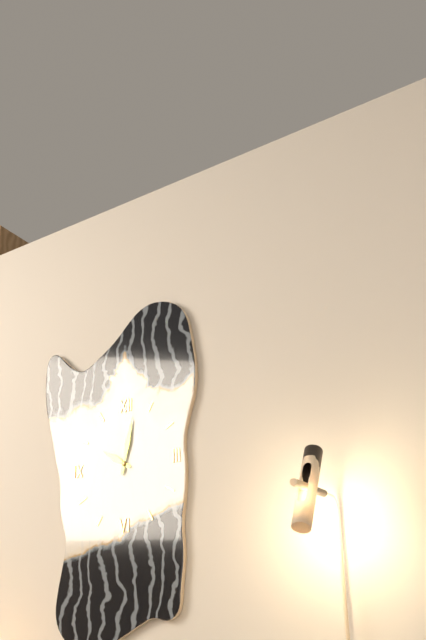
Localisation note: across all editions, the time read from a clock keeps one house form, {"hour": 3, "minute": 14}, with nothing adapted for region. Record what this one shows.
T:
{"hour": 10, "minute": 2}
